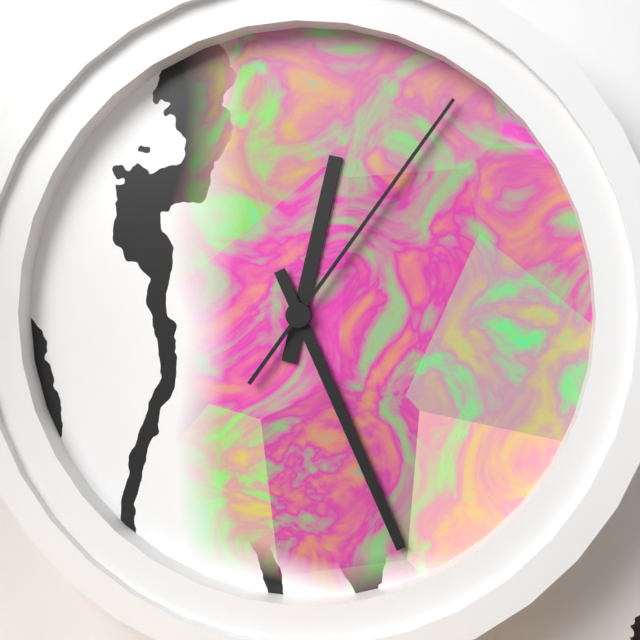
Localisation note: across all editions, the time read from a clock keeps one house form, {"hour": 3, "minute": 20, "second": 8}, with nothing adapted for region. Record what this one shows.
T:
{"hour": 12, "minute": 26, "second": 6}
